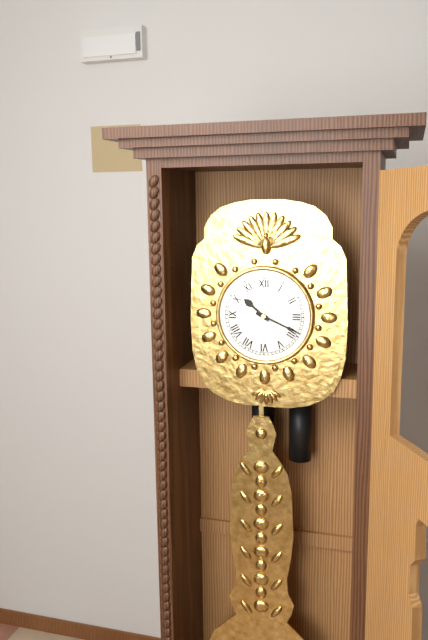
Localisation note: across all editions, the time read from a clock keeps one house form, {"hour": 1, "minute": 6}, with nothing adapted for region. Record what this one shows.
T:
{"hour": 10, "minute": 19}
